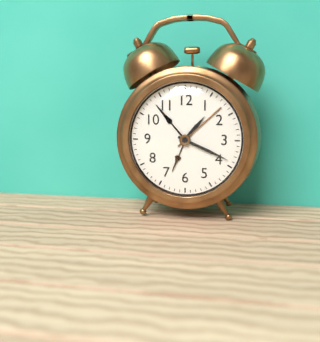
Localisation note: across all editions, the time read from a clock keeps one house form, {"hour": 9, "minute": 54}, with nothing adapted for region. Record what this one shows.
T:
{"hour": 1, "minute": 19}
